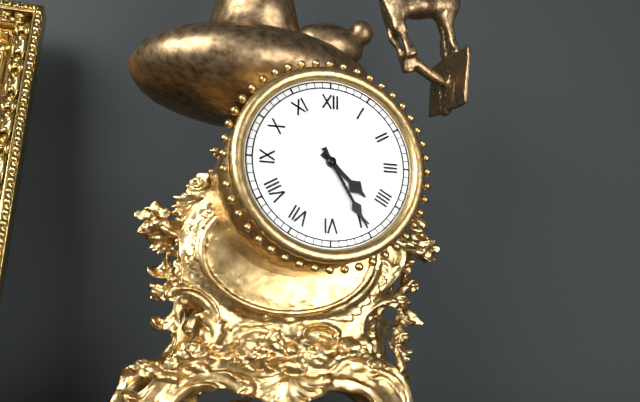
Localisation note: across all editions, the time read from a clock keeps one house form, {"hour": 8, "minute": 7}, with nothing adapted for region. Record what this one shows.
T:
{"hour": 4, "minute": 25}
